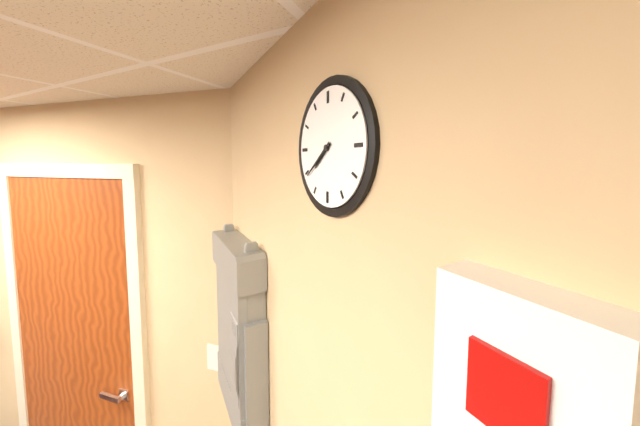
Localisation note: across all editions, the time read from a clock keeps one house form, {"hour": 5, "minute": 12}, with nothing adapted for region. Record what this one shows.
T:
{"hour": 7, "minute": 39}
